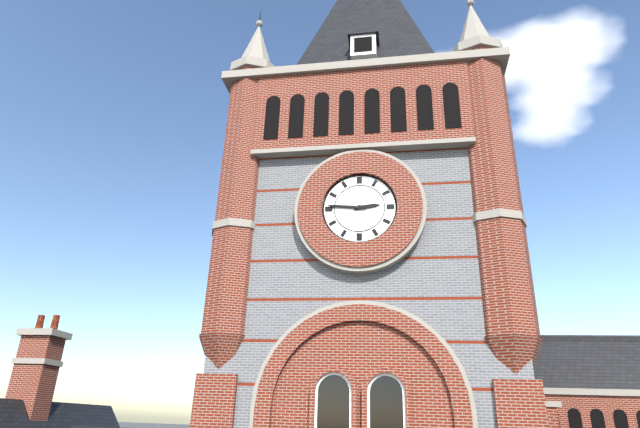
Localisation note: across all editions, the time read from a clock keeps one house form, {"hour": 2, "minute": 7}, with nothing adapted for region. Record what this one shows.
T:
{"hour": 2, "minute": 46}
